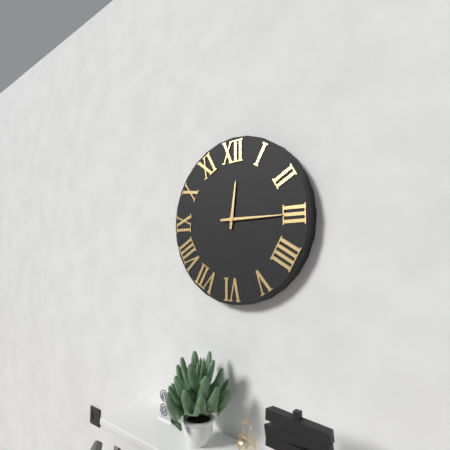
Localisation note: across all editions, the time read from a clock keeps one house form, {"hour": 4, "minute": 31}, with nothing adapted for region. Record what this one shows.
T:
{"hour": 12, "minute": 15}
